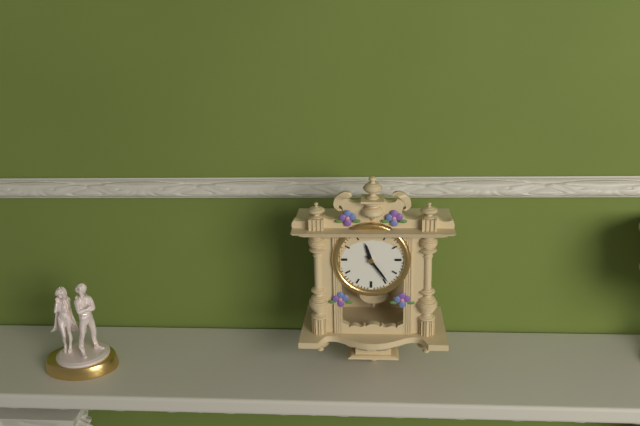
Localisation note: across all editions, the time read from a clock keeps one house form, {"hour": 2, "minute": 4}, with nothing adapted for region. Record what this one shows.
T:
{"hour": 11, "minute": 24}
